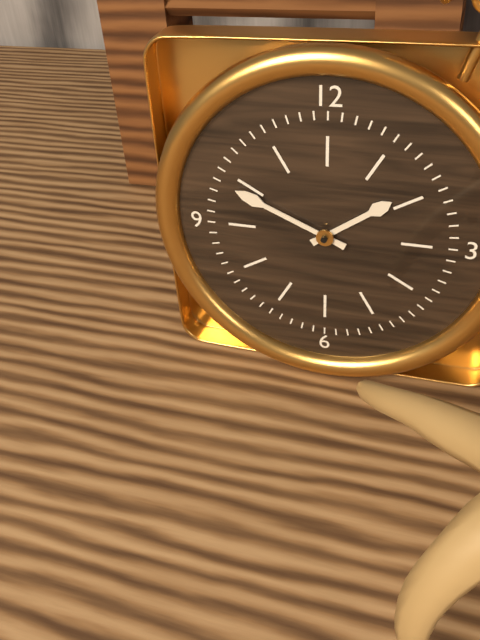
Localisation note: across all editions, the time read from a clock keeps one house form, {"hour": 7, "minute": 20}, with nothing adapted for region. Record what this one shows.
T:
{"hour": 1, "minute": 49}
